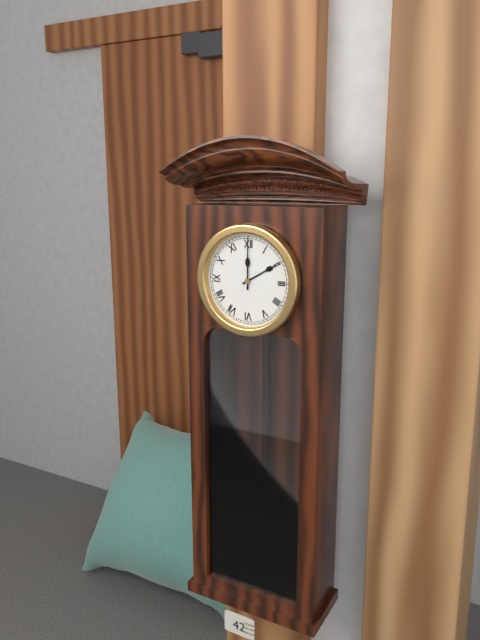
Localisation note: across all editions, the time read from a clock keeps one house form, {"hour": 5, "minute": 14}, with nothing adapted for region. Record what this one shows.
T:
{"hour": 2, "minute": 0}
